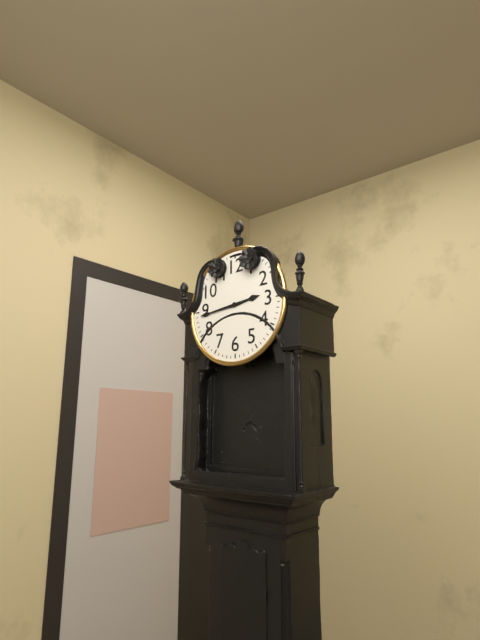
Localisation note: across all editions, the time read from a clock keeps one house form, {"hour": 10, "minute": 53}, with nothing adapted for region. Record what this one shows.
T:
{"hour": 2, "minute": 44}
